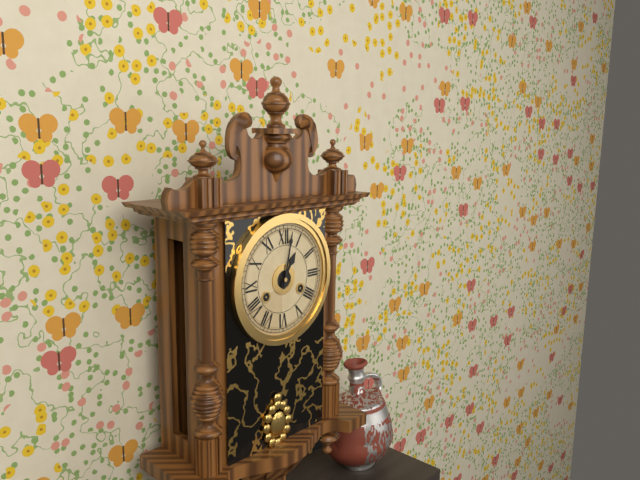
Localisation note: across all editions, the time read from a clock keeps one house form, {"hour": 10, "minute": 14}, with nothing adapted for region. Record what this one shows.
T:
{"hour": 1, "minute": 2}
